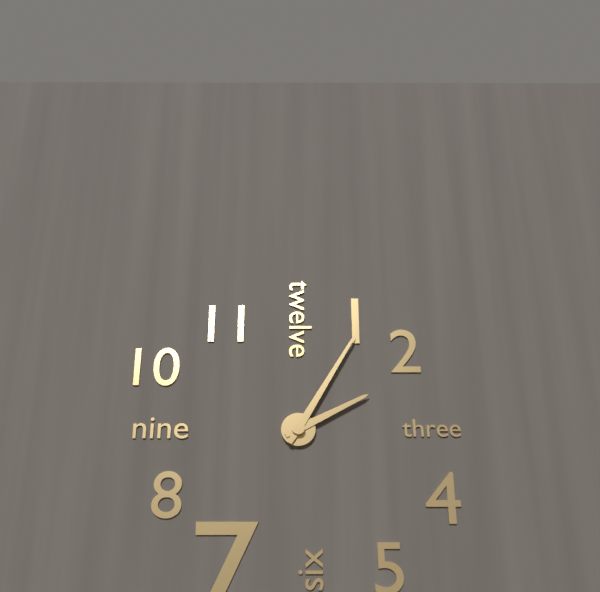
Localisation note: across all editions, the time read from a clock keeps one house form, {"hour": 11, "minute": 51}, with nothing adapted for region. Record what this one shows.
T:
{"hour": 2, "minute": 5}
